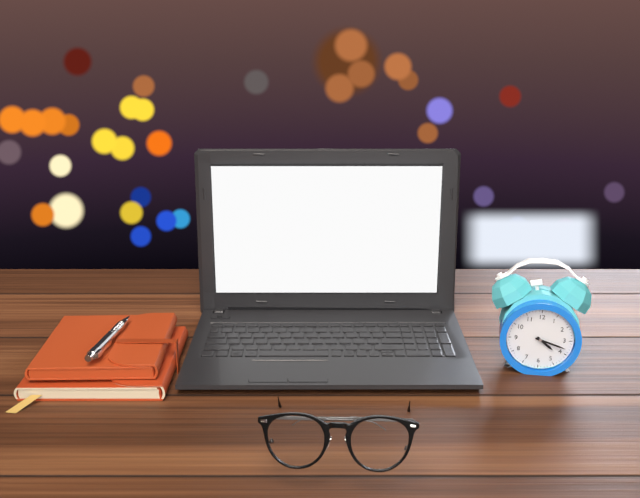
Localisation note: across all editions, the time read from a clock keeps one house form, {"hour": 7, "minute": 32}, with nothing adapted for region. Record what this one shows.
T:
{"hour": 4, "minute": 18}
